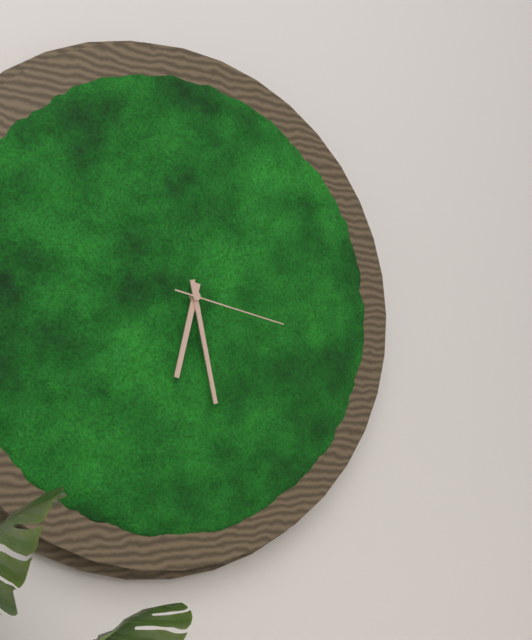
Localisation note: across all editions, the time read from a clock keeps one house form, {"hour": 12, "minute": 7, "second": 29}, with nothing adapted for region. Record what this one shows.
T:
{"hour": 6, "minute": 28, "second": 17}
